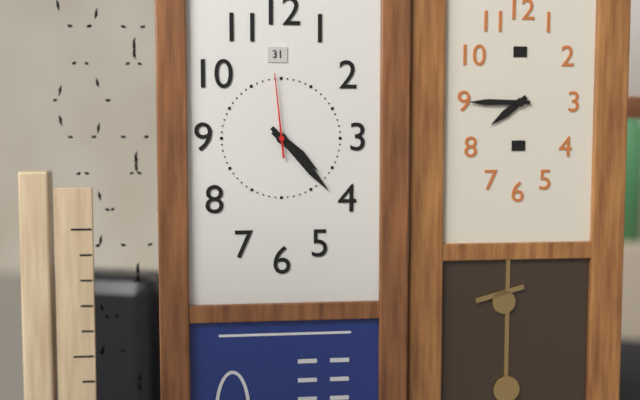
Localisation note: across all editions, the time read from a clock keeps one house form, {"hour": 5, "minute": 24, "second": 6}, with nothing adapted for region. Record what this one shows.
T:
{"hour": 4, "minute": 23, "second": 59}
